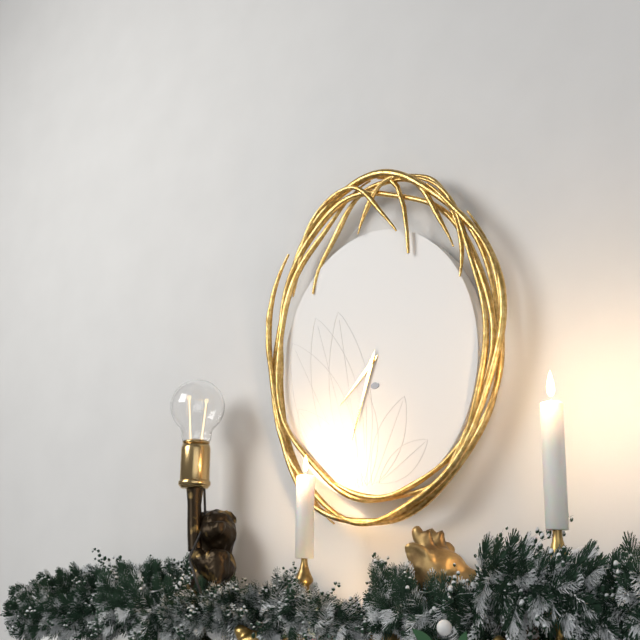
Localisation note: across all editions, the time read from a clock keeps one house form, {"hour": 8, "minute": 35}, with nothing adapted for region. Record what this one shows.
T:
{"hour": 7, "minute": 33}
